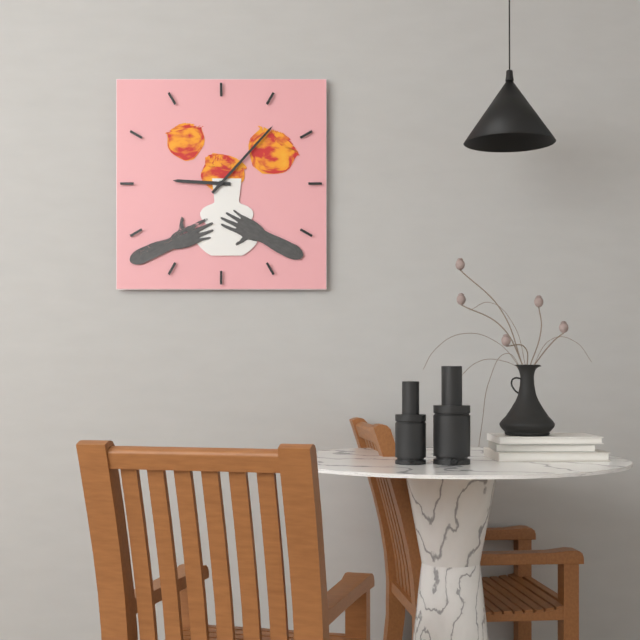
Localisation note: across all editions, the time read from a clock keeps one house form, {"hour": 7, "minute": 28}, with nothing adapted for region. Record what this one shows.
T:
{"hour": 9, "minute": 7}
